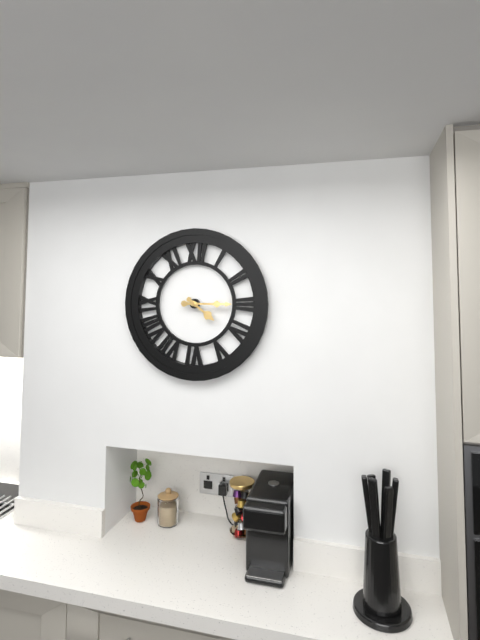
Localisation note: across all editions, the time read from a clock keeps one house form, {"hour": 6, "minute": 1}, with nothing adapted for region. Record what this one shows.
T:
{"hour": 4, "minute": 15}
